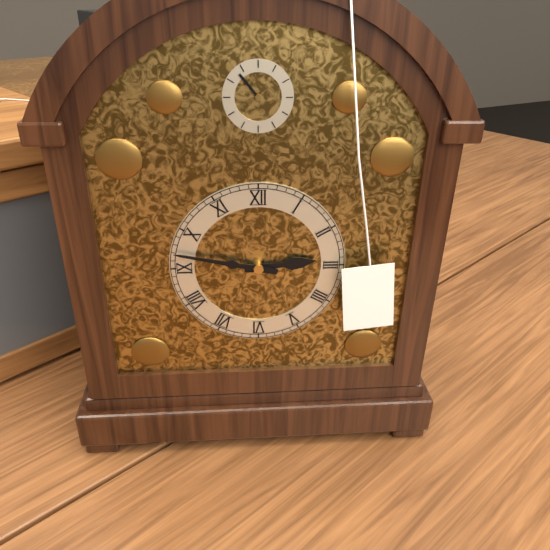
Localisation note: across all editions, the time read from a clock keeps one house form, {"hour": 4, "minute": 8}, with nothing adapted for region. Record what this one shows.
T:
{"hour": 2, "minute": 47}
